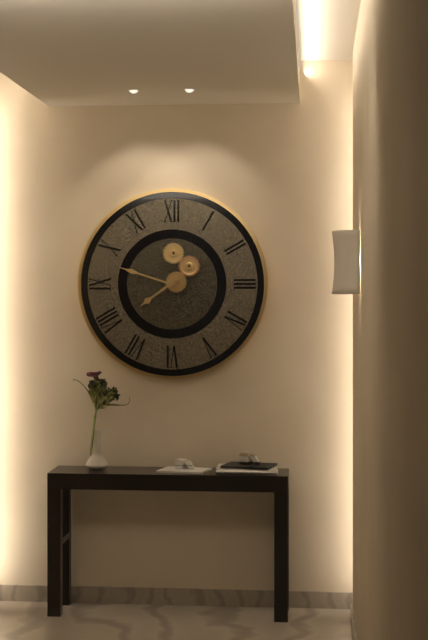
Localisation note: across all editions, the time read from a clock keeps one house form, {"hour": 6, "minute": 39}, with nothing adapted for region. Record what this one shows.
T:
{"hour": 7, "minute": 48}
